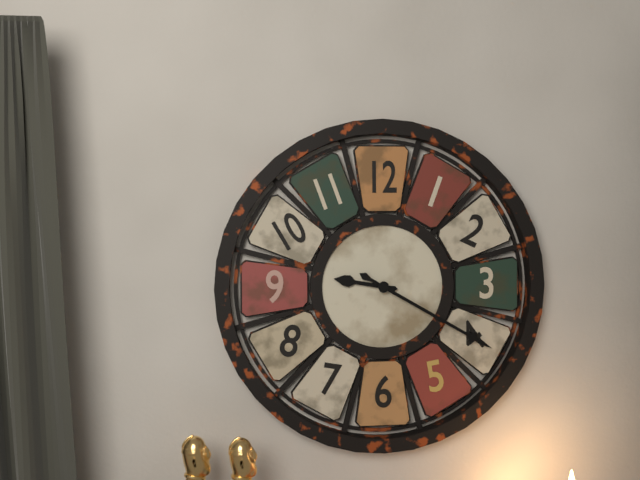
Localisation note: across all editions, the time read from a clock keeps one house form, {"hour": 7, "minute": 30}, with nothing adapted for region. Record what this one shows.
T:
{"hour": 9, "minute": 20}
